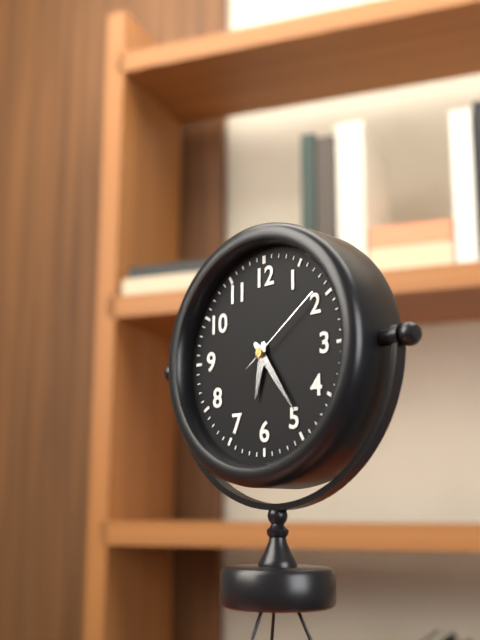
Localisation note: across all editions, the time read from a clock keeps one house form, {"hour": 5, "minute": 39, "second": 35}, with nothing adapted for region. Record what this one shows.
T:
{"hour": 6, "minute": 24, "second": 9}
